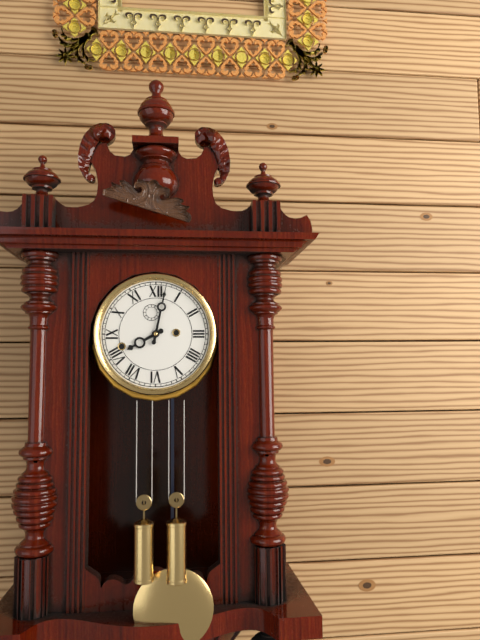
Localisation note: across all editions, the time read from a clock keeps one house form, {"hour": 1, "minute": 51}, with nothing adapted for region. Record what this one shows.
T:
{"hour": 8, "minute": 2}
